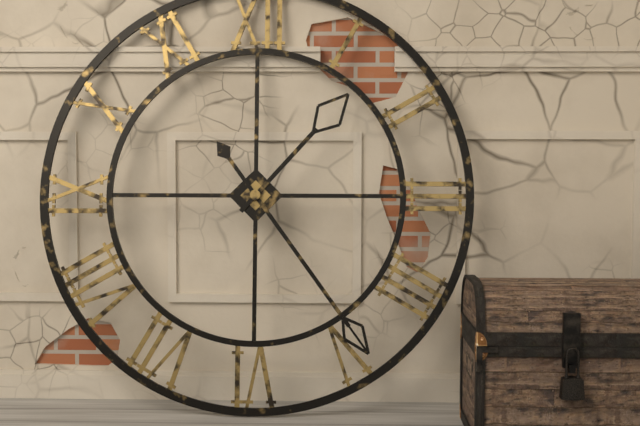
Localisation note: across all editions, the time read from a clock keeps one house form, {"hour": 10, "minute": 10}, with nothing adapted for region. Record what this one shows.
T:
{"hour": 1, "minute": 24}
